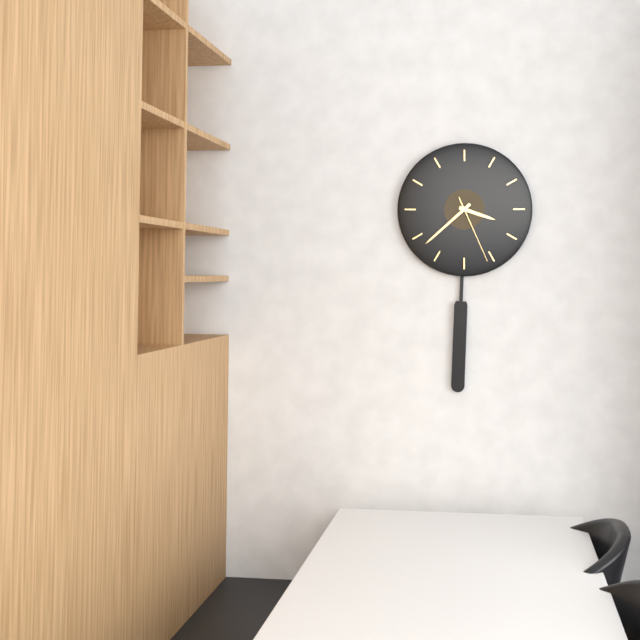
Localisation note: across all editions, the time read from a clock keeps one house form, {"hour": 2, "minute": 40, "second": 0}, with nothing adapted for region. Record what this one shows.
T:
{"hour": 3, "minute": 38, "second": 26}
